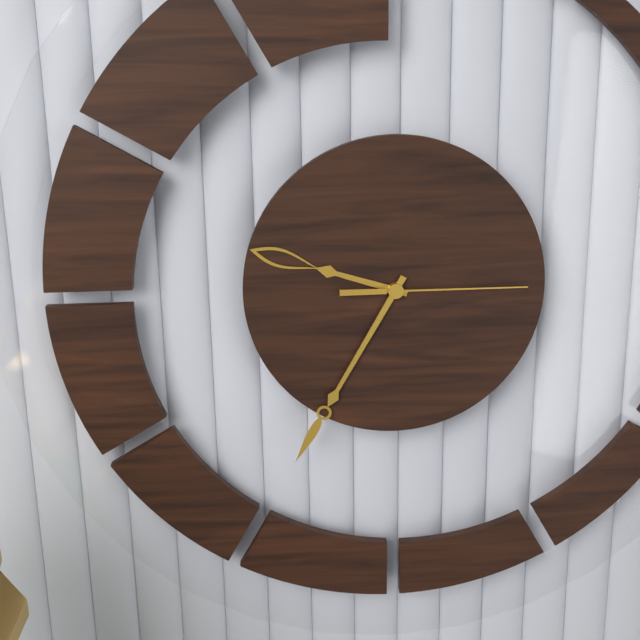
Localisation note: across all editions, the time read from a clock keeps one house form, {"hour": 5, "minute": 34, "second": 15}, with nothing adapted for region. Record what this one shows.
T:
{"hour": 9, "minute": 35, "second": 15}
